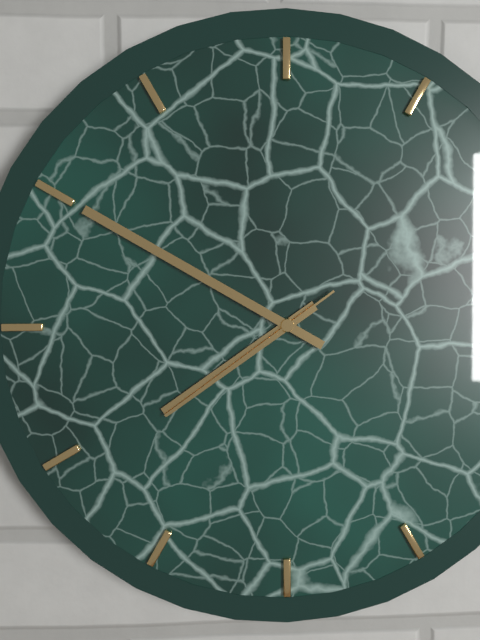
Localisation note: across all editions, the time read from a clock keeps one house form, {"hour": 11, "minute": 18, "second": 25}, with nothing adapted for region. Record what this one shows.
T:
{"hour": 7, "minute": 50, "second": 39}
